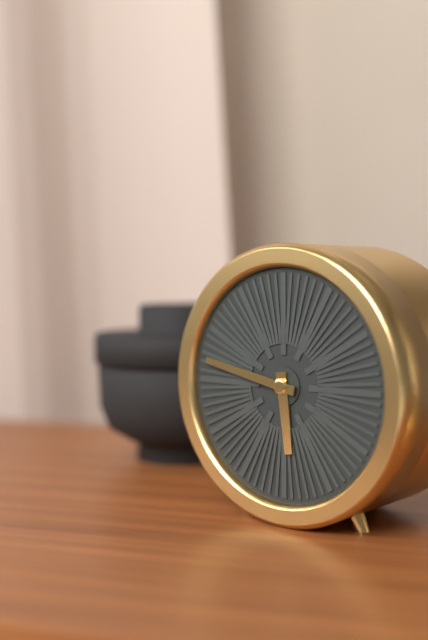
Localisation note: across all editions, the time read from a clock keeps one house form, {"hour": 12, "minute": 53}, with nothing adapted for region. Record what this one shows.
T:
{"hour": 5, "minute": 47}
